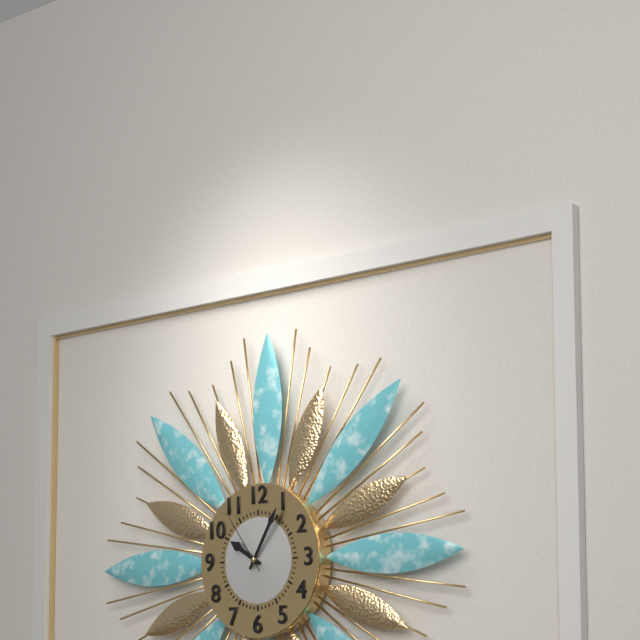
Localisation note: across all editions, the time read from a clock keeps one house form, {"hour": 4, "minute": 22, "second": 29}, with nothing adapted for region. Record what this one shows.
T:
{"hour": 10, "minute": 5, "second": 54}
